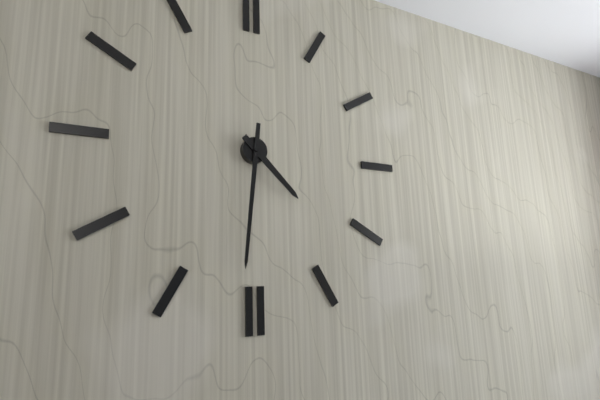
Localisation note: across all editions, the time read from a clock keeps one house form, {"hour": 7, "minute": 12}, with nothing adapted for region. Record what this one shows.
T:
{"hour": 4, "minute": 31}
